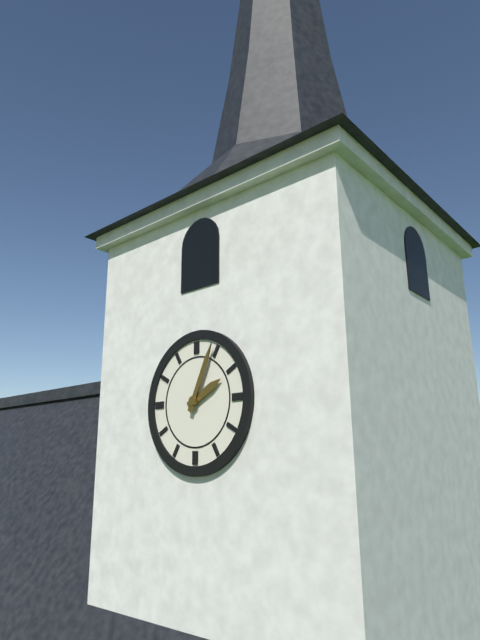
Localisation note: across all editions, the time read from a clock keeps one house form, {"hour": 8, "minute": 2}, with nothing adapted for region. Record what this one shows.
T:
{"hour": 2, "minute": 4}
